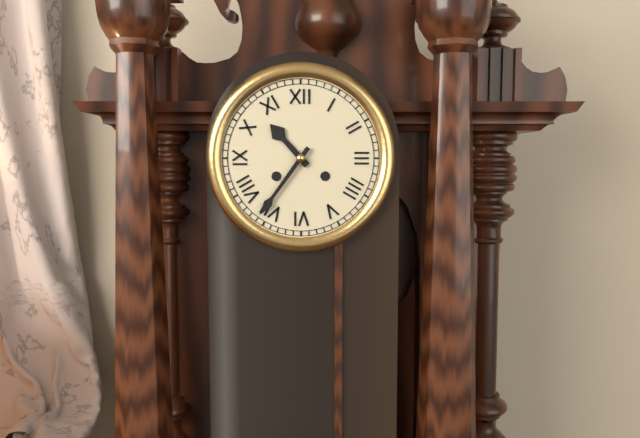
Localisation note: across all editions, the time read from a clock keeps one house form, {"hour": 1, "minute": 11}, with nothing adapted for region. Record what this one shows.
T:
{"hour": 10, "minute": 36}
